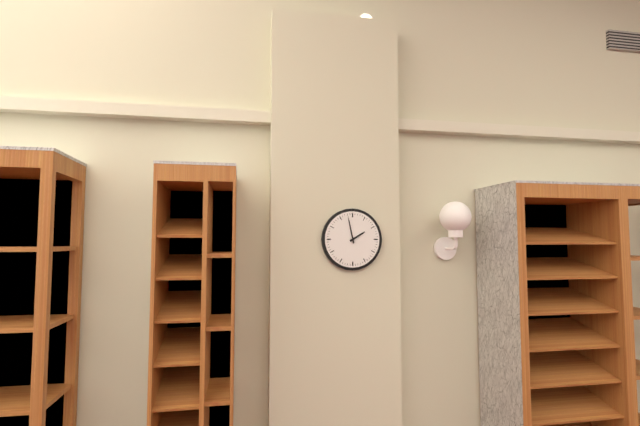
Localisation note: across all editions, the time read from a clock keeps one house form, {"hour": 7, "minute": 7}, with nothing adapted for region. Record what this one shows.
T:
{"hour": 1, "minute": 58}
